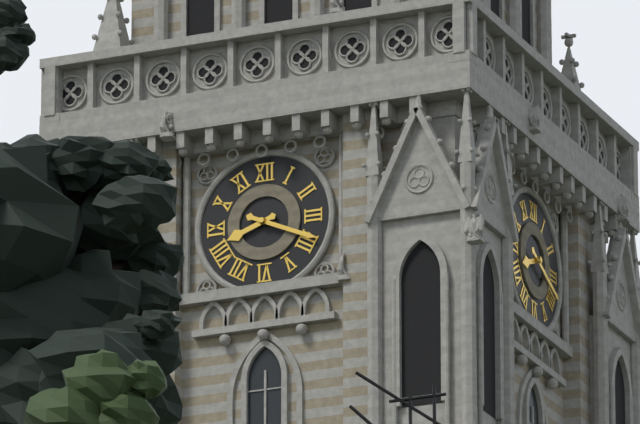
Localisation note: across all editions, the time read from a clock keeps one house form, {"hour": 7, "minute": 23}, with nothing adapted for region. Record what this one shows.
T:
{"hour": 8, "minute": 19}
